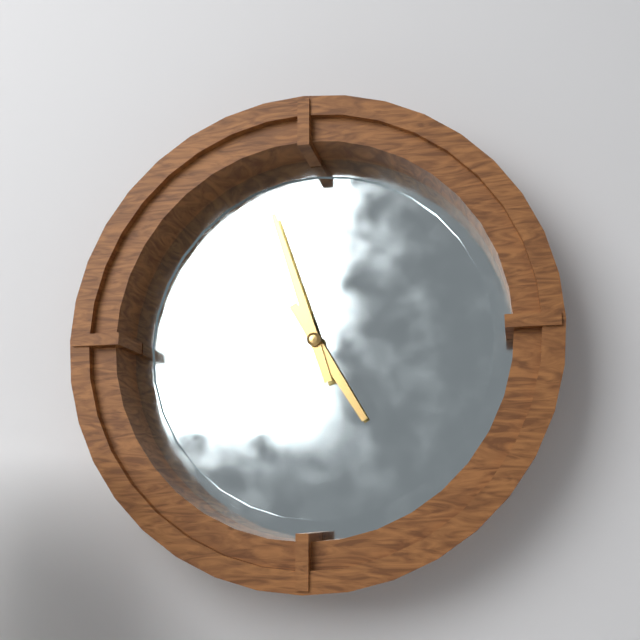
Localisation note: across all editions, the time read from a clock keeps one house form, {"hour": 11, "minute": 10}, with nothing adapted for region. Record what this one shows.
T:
{"hour": 4, "minute": 57}
